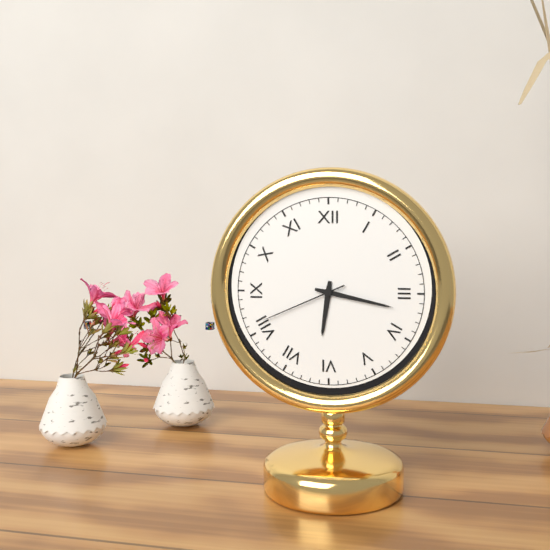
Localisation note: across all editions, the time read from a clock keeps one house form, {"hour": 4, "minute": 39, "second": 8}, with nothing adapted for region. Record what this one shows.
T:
{"hour": 6, "minute": 17, "second": 41}
